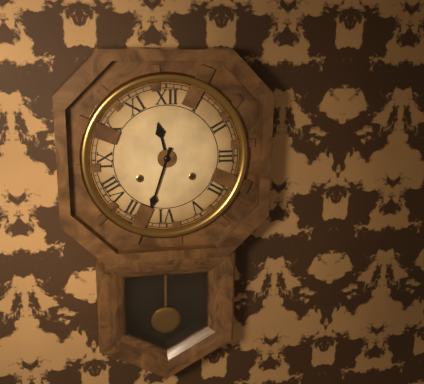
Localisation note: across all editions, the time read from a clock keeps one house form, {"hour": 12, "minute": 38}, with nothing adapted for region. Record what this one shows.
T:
{"hour": 11, "minute": 33}
